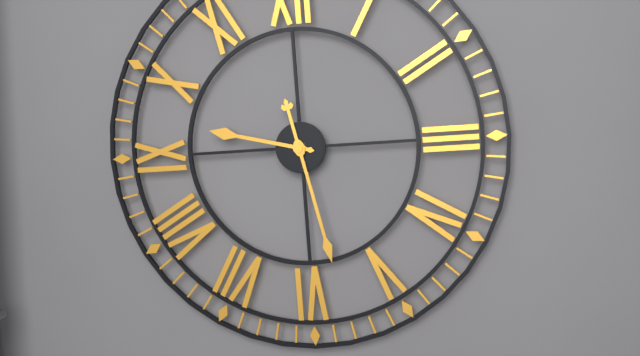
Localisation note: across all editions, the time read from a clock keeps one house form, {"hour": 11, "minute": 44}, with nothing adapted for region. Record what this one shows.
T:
{"hour": 9, "minute": 28}
